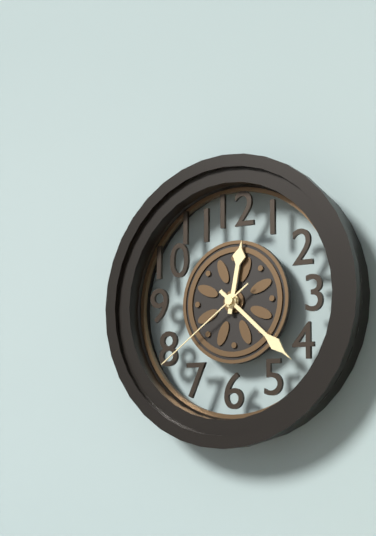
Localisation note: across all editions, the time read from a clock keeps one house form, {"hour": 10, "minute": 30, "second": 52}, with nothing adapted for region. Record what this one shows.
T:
{"hour": 12, "minute": 22, "second": 39}
